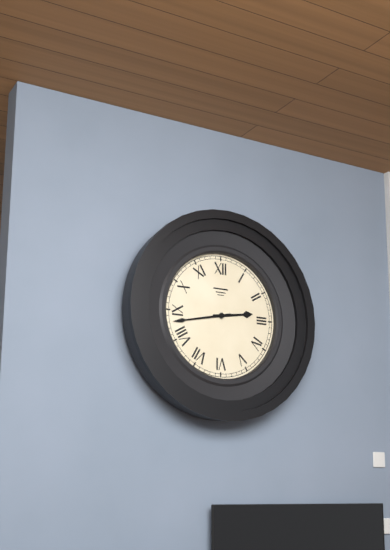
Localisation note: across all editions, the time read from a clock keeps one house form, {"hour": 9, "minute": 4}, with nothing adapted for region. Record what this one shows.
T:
{"hour": 2, "minute": 43}
